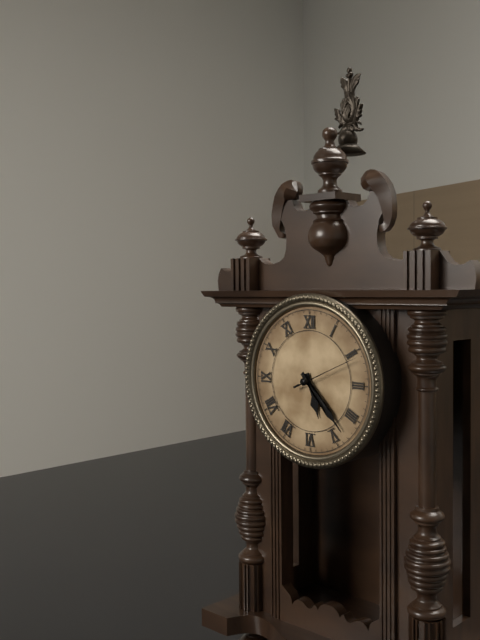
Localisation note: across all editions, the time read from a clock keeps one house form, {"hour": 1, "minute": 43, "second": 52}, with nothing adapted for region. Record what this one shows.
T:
{"hour": 5, "minute": 23, "second": 11}
